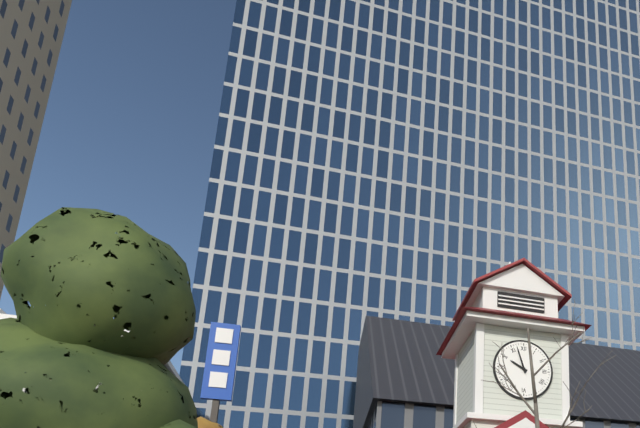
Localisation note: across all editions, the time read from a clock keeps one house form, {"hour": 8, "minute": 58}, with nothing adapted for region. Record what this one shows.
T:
{"hour": 9, "minute": 57}
